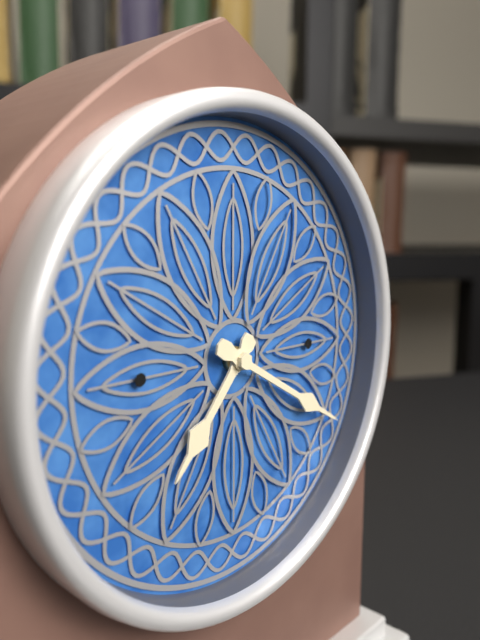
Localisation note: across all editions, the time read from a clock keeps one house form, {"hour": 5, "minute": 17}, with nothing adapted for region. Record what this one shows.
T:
{"hour": 7, "minute": 20}
